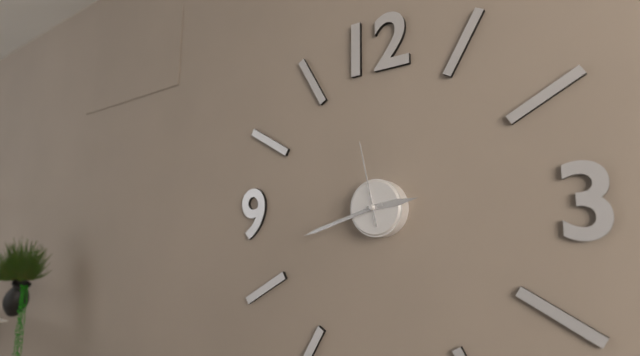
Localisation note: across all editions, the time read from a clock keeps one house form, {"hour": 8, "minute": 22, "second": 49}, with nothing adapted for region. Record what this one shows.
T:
{"hour": 2, "minute": 42, "second": 58}
